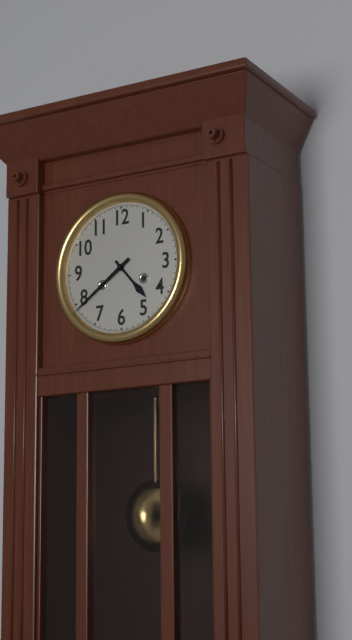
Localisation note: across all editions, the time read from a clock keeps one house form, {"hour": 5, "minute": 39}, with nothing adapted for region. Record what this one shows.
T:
{"hour": 4, "minute": 39}
